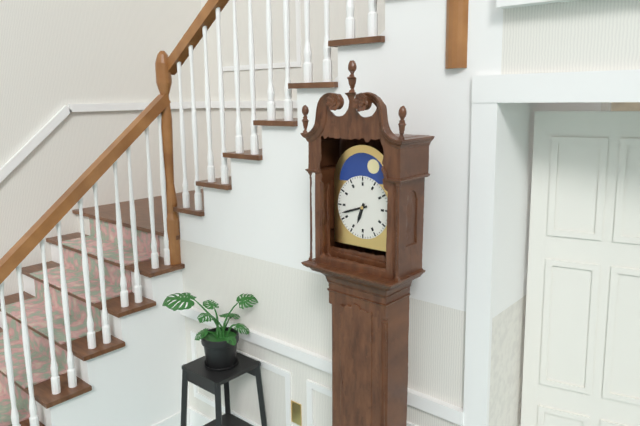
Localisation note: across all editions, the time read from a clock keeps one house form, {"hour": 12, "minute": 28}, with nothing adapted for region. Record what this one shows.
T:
{"hour": 6, "minute": 42}
